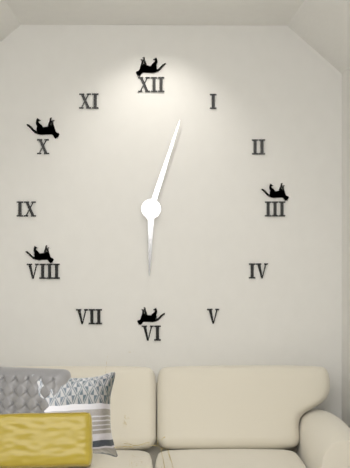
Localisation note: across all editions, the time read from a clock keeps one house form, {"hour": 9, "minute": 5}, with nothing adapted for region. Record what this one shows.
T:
{"hour": 6, "minute": 3}
